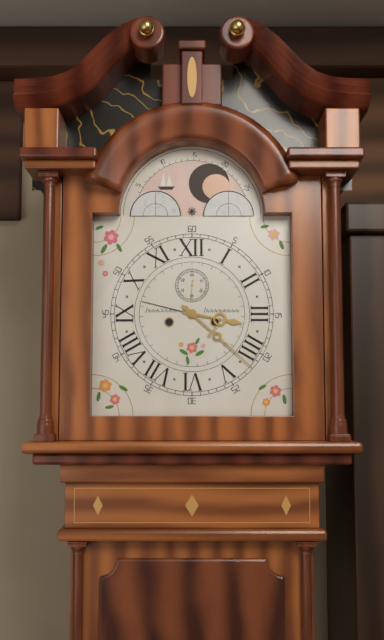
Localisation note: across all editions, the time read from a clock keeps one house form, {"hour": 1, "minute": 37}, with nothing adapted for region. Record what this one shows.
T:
{"hour": 3, "minute": 22}
